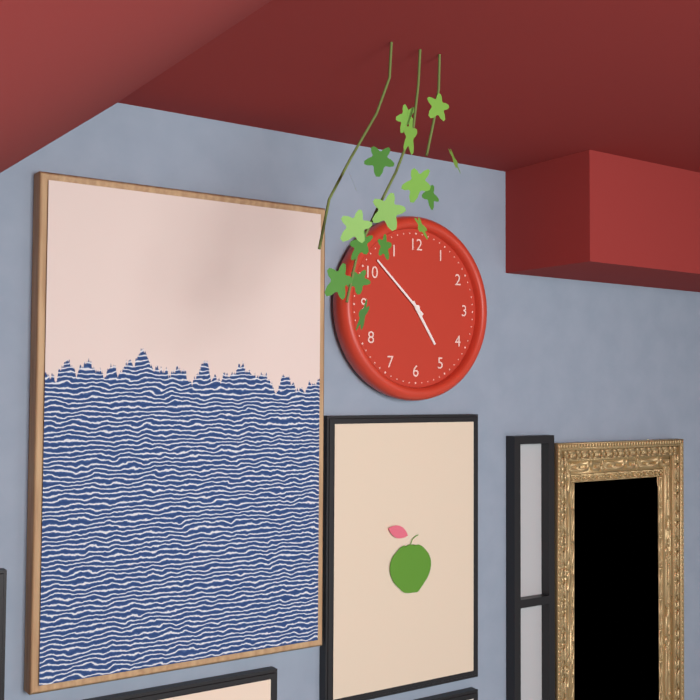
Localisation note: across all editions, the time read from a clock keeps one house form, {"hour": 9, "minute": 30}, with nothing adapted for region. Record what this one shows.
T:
{"hour": 4, "minute": 52}
